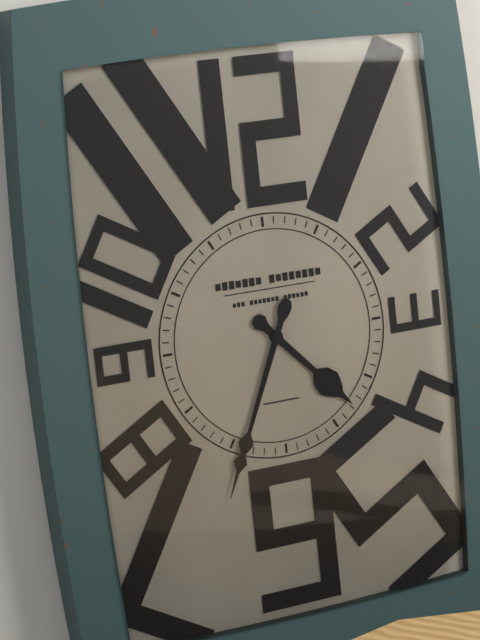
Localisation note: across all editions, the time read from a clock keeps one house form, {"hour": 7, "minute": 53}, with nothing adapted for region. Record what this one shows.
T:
{"hour": 4, "minute": 34}
